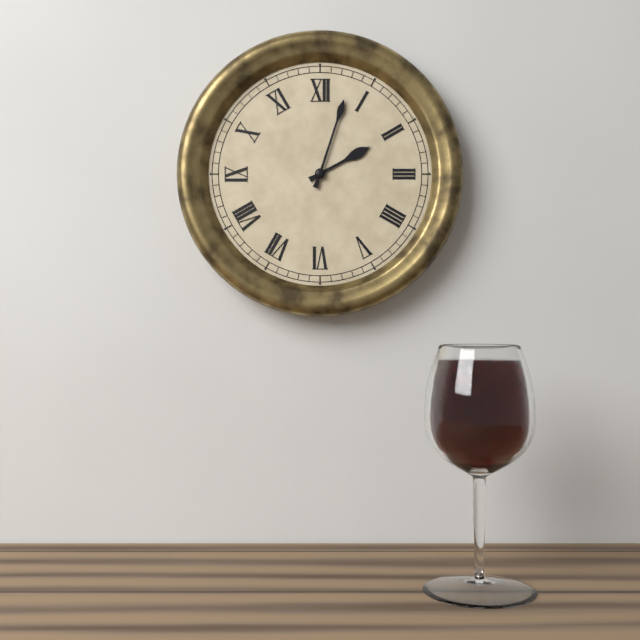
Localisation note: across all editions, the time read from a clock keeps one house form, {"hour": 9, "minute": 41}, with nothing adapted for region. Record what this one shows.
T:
{"hour": 2, "minute": 3}
